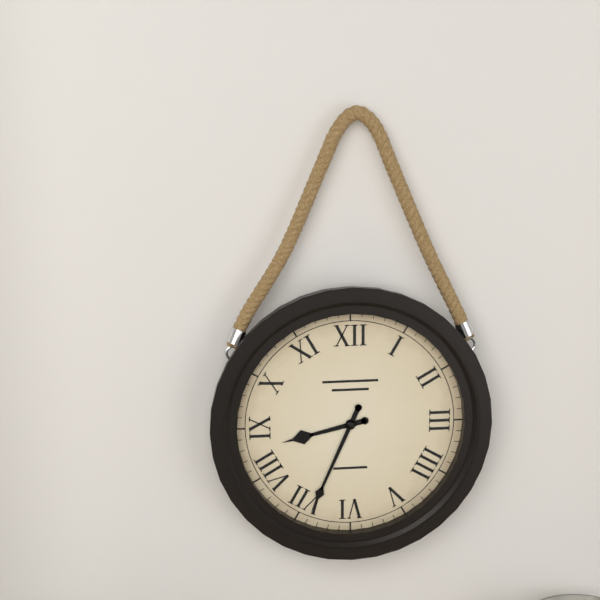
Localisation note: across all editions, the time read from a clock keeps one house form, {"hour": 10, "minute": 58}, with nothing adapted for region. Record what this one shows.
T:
{"hour": 8, "minute": 34}
